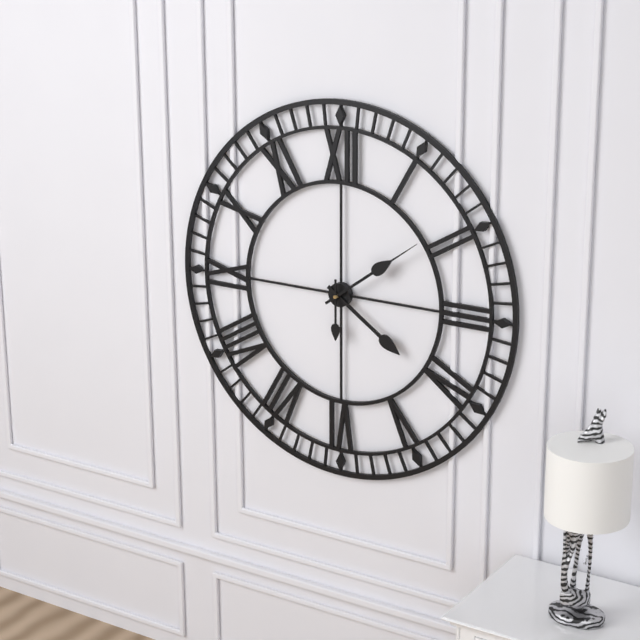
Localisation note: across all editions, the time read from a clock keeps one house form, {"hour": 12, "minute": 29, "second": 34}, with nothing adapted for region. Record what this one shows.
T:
{"hour": 4, "minute": 9, "second": 30}
